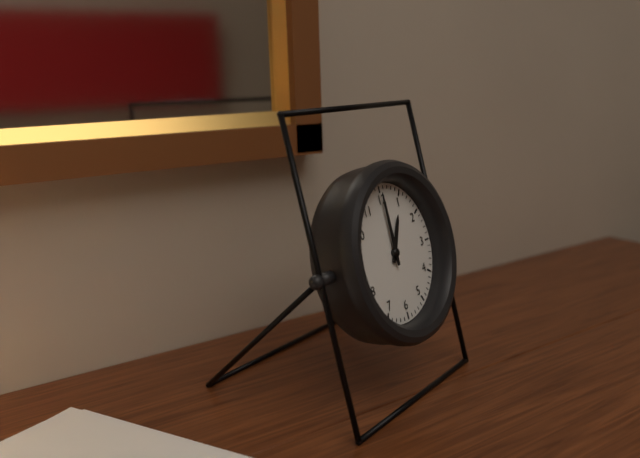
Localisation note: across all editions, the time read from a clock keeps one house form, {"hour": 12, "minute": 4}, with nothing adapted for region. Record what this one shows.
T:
{"hour": 1, "minute": 0}
